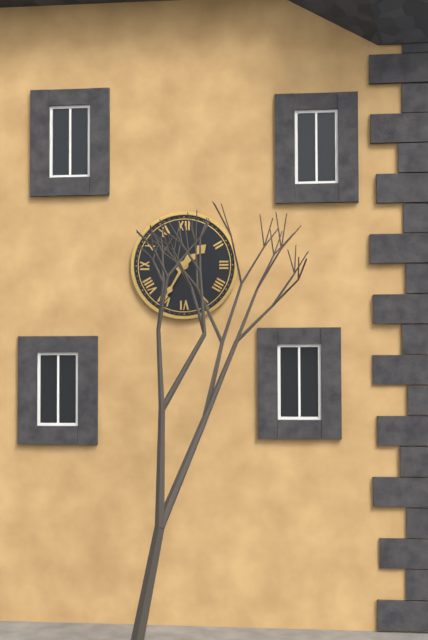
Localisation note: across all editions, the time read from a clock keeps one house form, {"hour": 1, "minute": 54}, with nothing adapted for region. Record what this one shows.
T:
{"hour": 1, "minute": 35}
